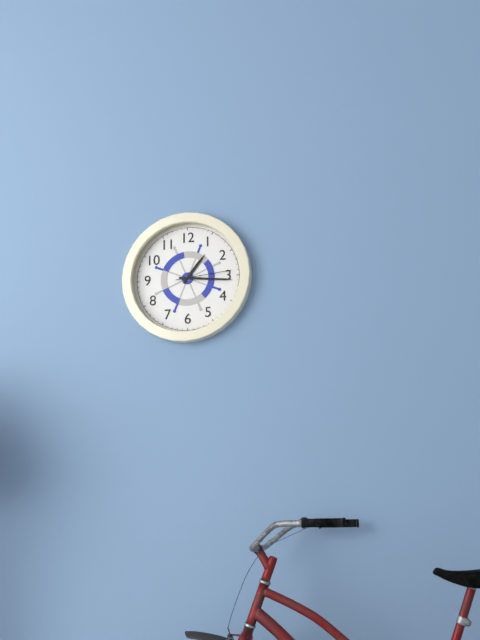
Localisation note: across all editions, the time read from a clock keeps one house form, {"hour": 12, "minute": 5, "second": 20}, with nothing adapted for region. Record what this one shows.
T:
{"hour": 1, "minute": 16, "second": 14}
